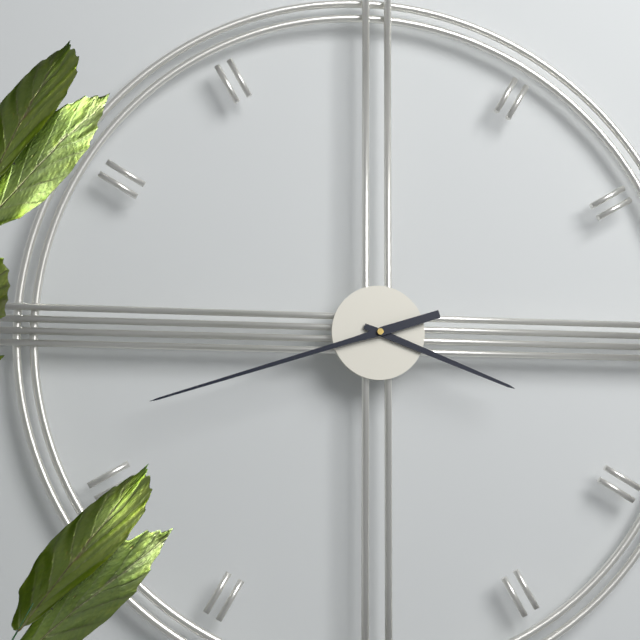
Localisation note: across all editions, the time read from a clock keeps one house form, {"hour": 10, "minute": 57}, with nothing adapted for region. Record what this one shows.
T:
{"hour": 3, "minute": 42}
